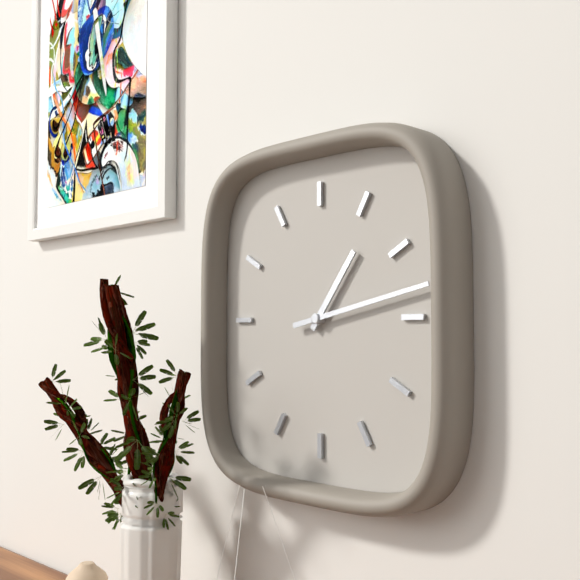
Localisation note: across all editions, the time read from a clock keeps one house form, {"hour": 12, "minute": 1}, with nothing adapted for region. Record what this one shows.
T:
{"hour": 1, "minute": 13}
